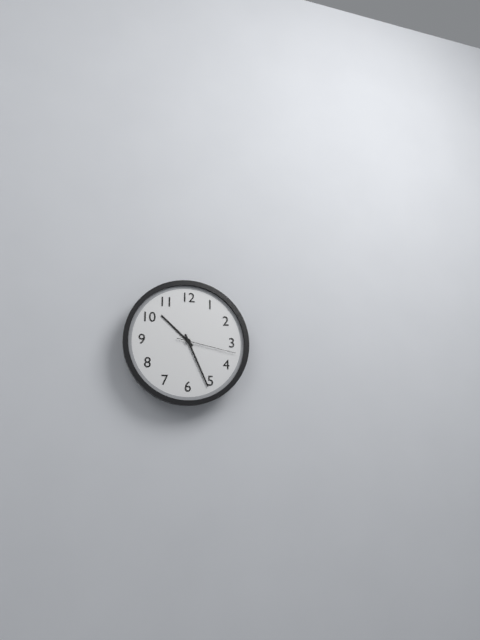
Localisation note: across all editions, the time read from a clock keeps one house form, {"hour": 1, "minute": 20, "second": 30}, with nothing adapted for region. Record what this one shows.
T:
{"hour": 10, "minute": 26, "second": 17}
